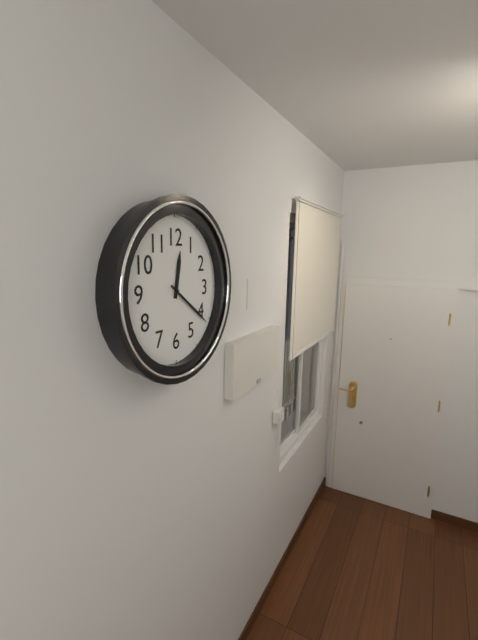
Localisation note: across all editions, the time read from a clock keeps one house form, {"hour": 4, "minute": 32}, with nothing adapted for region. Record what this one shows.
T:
{"hour": 12, "minute": 21}
